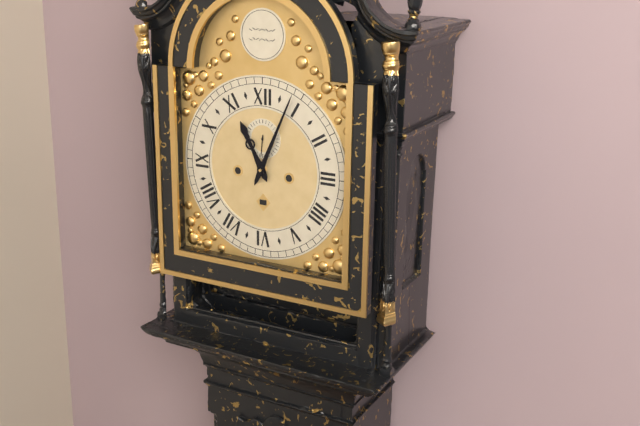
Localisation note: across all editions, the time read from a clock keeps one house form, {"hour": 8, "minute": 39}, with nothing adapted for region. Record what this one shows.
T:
{"hour": 11, "minute": 4}
